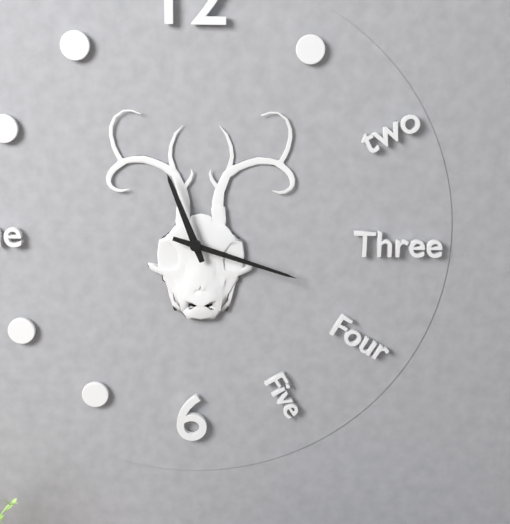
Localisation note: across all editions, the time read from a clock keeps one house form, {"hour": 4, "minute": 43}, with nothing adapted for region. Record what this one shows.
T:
{"hour": 11, "minute": 18}
